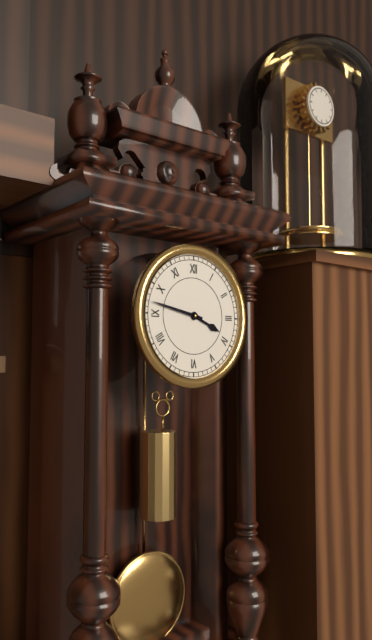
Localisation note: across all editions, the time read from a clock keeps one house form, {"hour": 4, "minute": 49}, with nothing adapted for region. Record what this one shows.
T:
{"hour": 3, "minute": 47}
